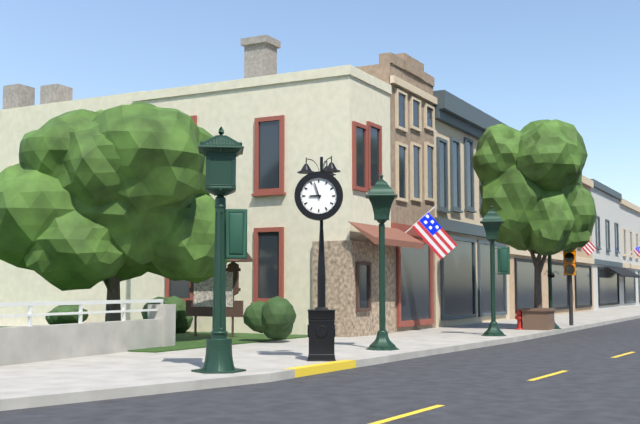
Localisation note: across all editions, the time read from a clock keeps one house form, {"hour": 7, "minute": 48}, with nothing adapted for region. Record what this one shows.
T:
{"hour": 8, "minute": 57}
